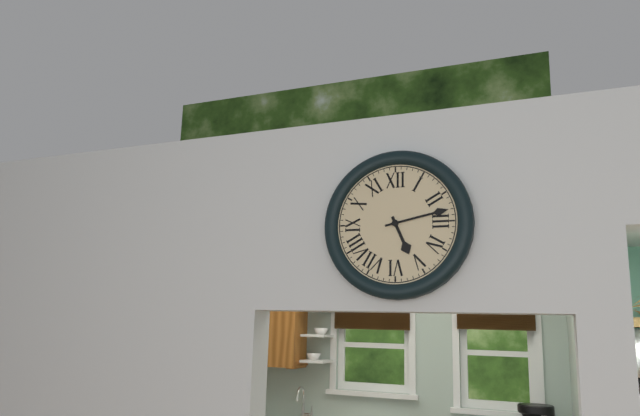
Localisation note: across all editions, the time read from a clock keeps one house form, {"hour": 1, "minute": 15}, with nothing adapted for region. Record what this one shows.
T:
{"hour": 5, "minute": 13}
